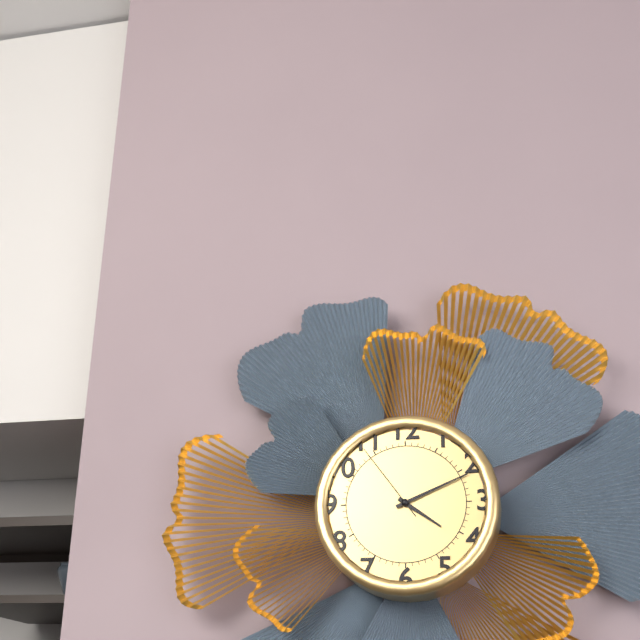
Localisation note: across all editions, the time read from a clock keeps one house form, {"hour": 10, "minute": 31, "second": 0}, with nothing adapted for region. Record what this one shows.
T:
{"hour": 4, "minute": 11, "second": 54}
